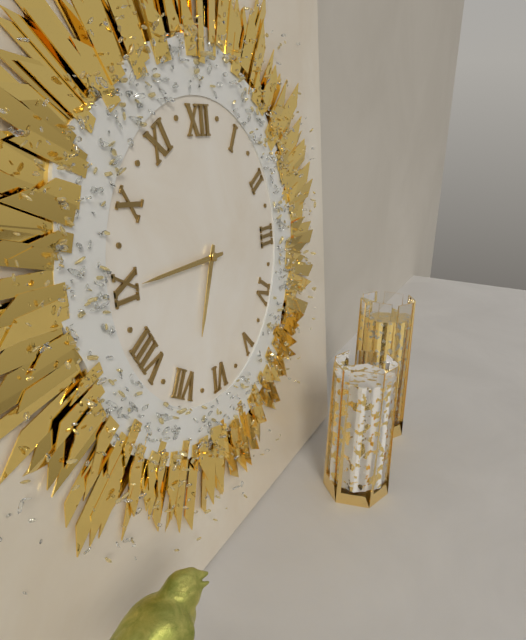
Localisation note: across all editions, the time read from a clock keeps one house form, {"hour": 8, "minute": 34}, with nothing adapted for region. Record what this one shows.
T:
{"hour": 6, "minute": 45}
